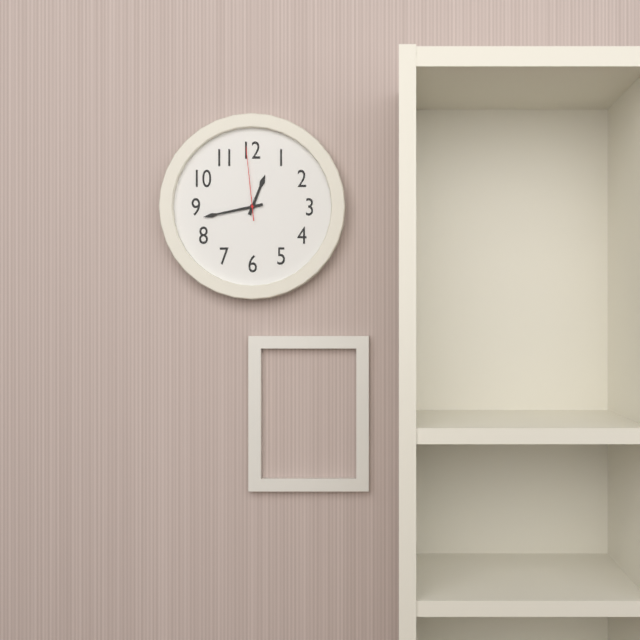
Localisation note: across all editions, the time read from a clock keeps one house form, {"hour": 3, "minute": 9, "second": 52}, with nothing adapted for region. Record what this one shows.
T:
{"hour": 12, "minute": 43, "second": 59}
